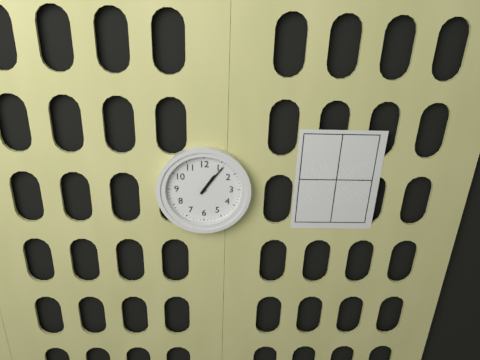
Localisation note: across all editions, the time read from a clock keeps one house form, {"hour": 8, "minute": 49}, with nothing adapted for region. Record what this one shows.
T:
{"hour": 1, "minute": 6}
